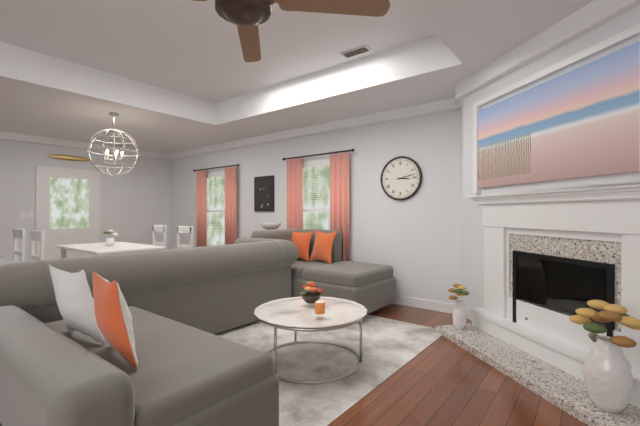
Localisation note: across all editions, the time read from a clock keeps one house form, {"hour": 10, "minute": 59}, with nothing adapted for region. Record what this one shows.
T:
{"hour": 3, "minute": 13}
